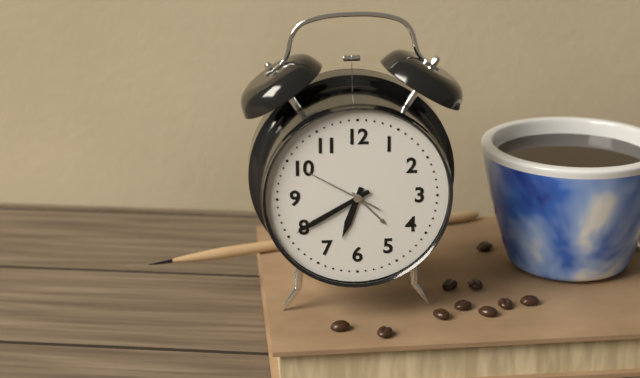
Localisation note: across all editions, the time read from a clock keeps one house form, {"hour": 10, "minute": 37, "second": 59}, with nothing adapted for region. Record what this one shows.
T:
{"hour": 6, "minute": 40, "second": 50}
